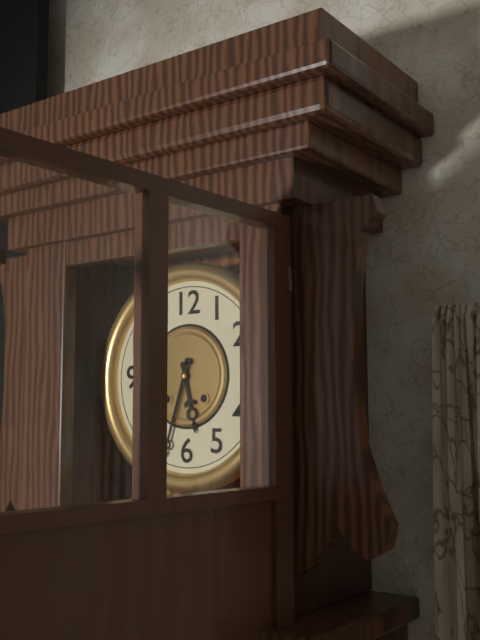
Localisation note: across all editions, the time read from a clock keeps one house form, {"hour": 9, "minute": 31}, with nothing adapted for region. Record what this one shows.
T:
{"hour": 5, "minute": 33}
